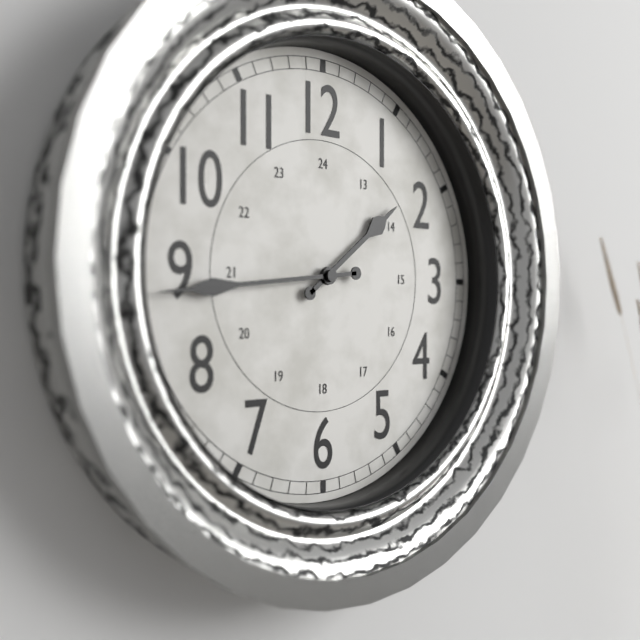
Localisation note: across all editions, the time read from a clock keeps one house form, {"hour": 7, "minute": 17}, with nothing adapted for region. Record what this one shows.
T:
{"hour": 1, "minute": 44}
